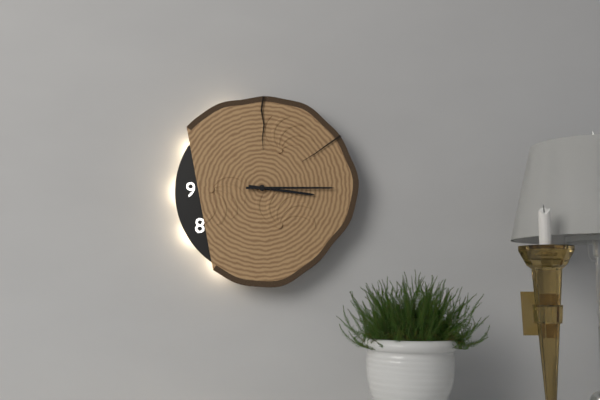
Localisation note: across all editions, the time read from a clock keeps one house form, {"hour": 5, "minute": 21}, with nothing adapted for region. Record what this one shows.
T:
{"hour": 3, "minute": 15}
